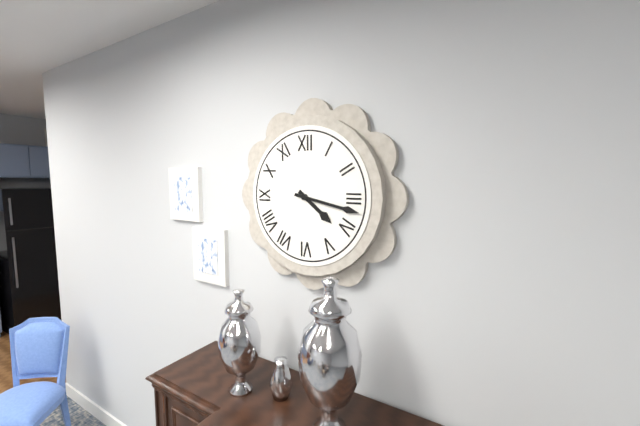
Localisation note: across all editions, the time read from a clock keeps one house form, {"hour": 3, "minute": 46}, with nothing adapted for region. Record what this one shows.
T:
{"hour": 4, "minute": 17}
